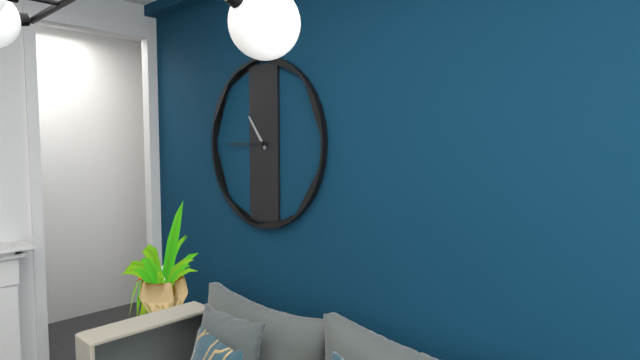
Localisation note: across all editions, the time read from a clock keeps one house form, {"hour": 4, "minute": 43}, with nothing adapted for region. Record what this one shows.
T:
{"hour": 10, "minute": 45}
